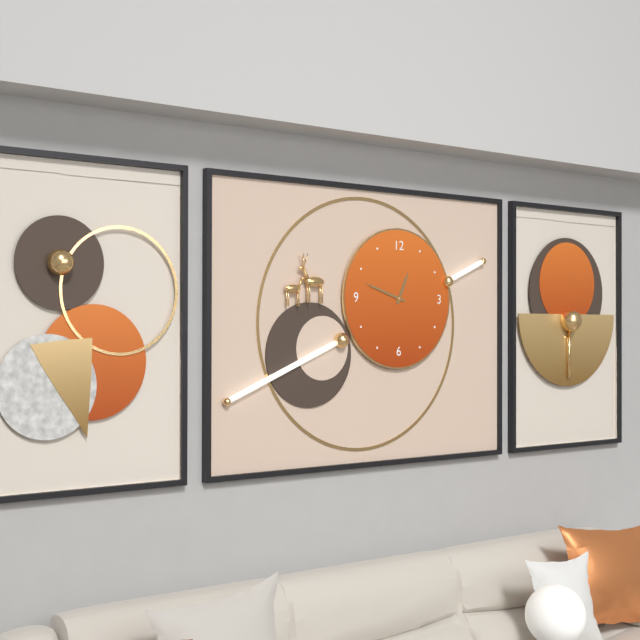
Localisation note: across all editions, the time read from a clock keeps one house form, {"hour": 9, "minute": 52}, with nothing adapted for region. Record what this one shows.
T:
{"hour": 12, "minute": 48}
